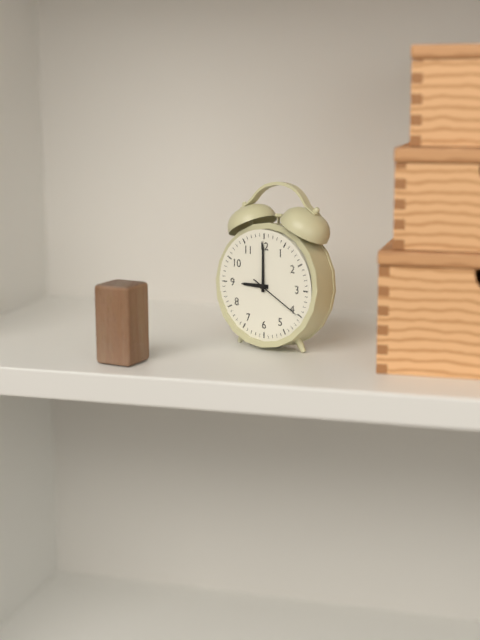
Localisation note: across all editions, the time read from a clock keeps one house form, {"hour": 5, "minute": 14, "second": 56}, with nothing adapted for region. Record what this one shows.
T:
{"hour": 9, "minute": 0, "second": 20}
